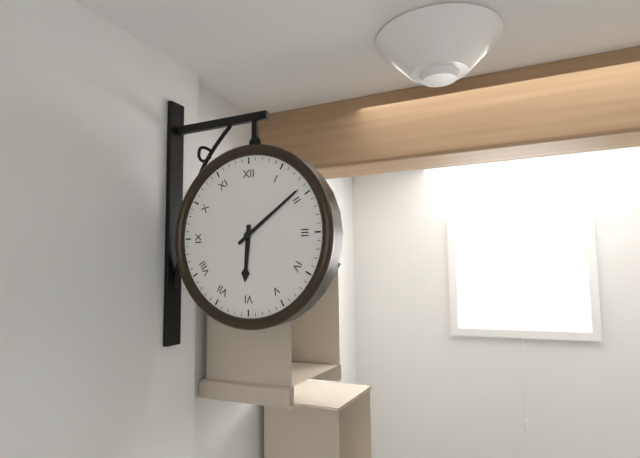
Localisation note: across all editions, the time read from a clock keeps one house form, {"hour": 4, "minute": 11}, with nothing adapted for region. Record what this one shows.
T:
{"hour": 6, "minute": 9}
